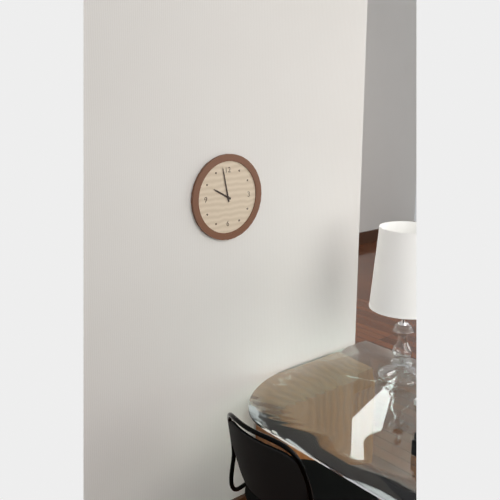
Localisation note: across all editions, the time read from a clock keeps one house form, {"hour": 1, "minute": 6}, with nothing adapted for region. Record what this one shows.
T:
{"hour": 9, "minute": 58}
